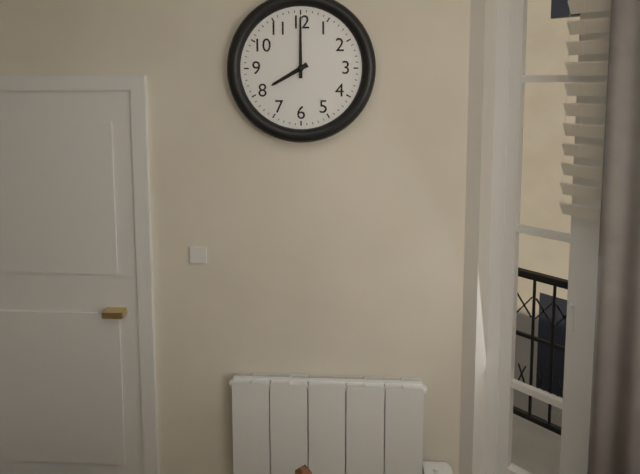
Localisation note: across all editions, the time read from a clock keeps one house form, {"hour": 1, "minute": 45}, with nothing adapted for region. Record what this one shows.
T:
{"hour": 8, "minute": 0}
